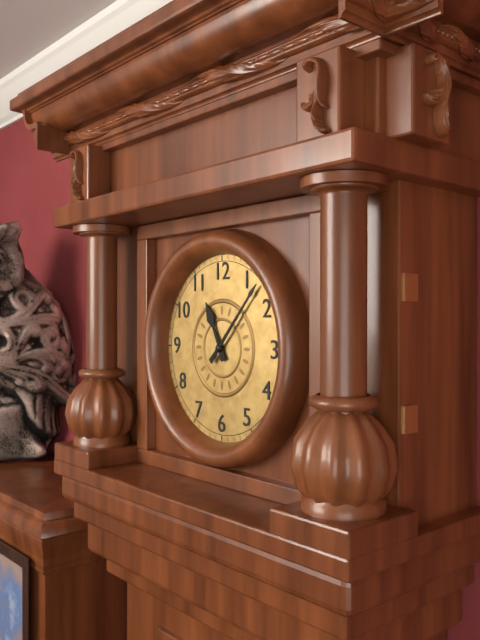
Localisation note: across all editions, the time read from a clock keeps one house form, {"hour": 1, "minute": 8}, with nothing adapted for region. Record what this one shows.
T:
{"hour": 11, "minute": 7}
